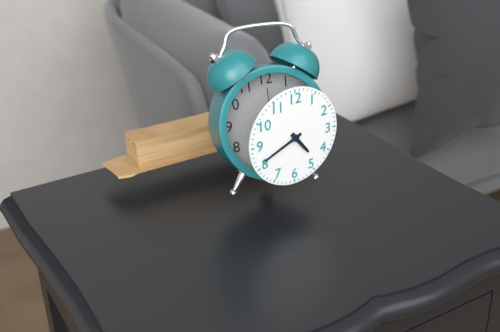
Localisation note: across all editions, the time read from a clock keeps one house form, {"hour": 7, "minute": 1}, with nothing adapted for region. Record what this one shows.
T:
{"hour": 4, "minute": 41}
